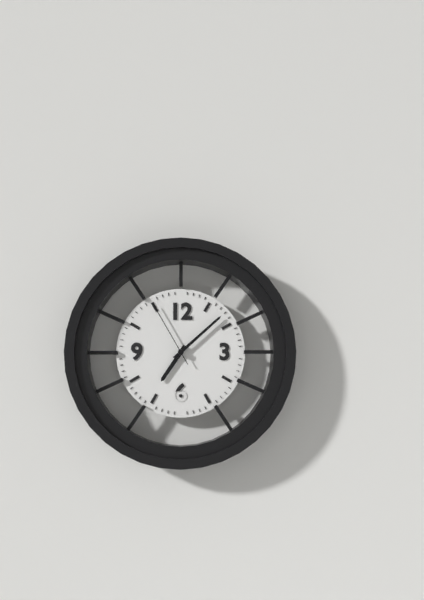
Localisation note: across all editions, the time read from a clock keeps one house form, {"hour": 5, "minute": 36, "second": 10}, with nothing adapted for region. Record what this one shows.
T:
{"hour": 7, "minute": 8, "second": 55}
